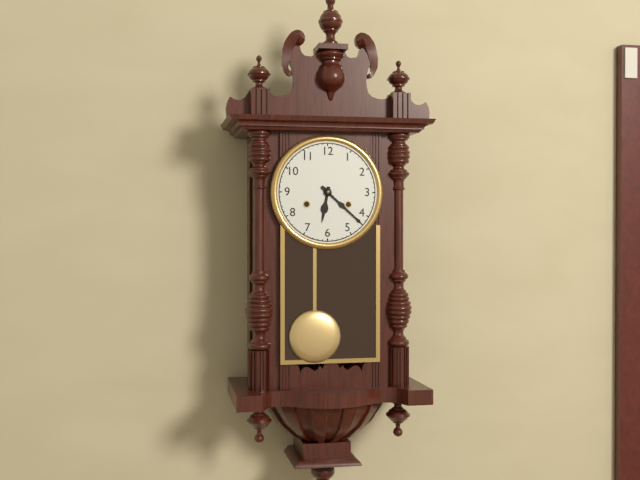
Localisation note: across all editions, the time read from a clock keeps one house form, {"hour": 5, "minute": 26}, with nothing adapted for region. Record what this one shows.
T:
{"hour": 6, "minute": 22}
